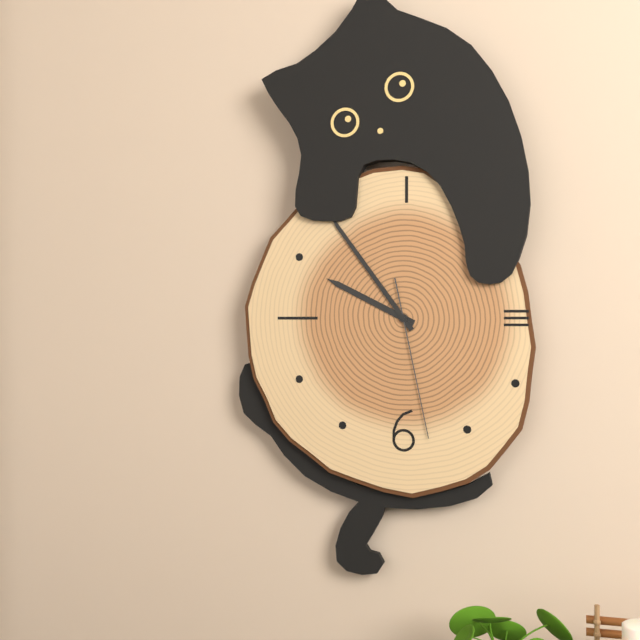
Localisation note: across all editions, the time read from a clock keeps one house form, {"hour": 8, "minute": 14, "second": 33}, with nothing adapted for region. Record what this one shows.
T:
{"hour": 9, "minute": 54, "second": 28}
